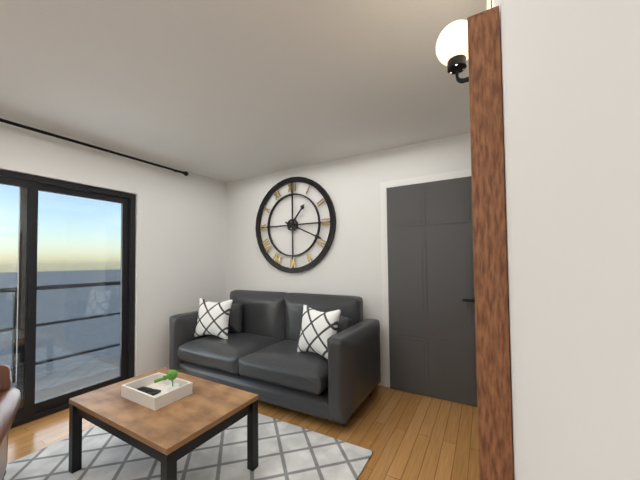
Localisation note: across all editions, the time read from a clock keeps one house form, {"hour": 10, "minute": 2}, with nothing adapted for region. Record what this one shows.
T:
{"hour": 1, "minute": 19}
